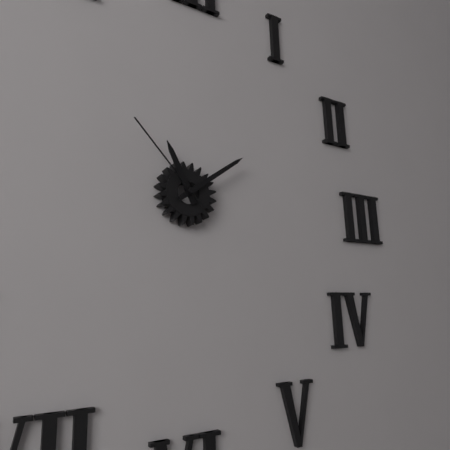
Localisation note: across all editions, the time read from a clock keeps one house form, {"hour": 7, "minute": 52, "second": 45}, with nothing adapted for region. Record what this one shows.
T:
{"hour": 11, "minute": 9, "second": 53}
